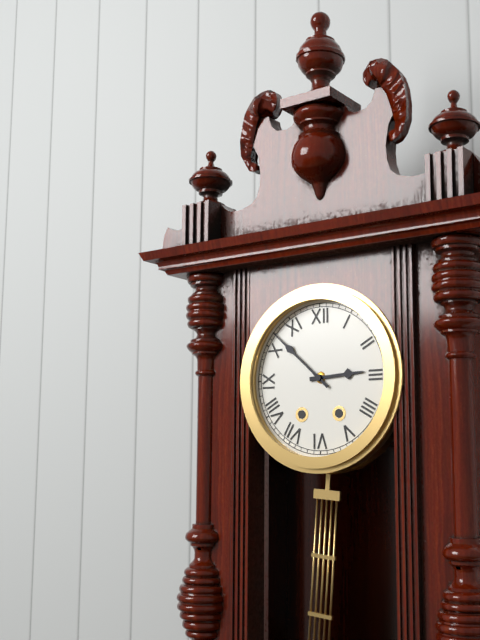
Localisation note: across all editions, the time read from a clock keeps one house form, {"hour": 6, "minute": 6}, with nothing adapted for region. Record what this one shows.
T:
{"hour": 2, "minute": 52}
